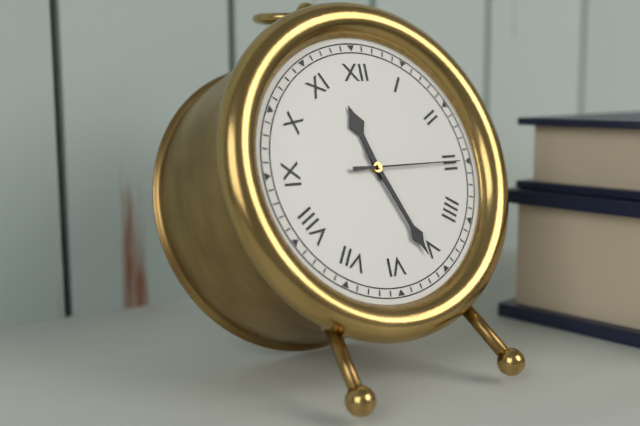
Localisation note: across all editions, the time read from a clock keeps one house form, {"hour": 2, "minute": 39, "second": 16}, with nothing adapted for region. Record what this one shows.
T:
{"hour": 11, "minute": 26, "second": 15}
